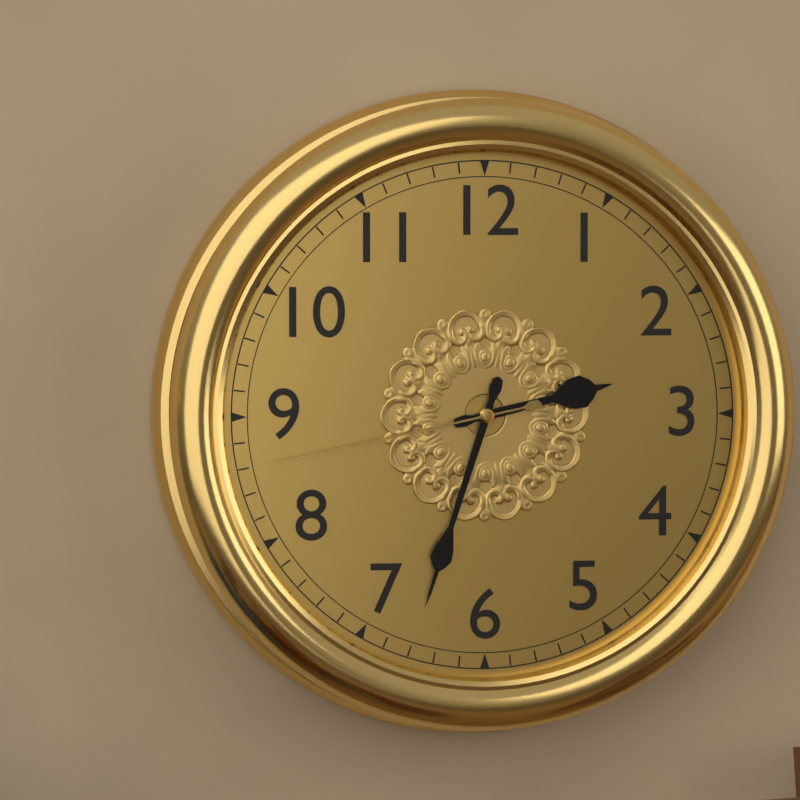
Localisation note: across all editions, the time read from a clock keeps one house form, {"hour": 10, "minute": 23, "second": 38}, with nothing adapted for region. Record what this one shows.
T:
{"hour": 2, "minute": 33, "second": 43}
